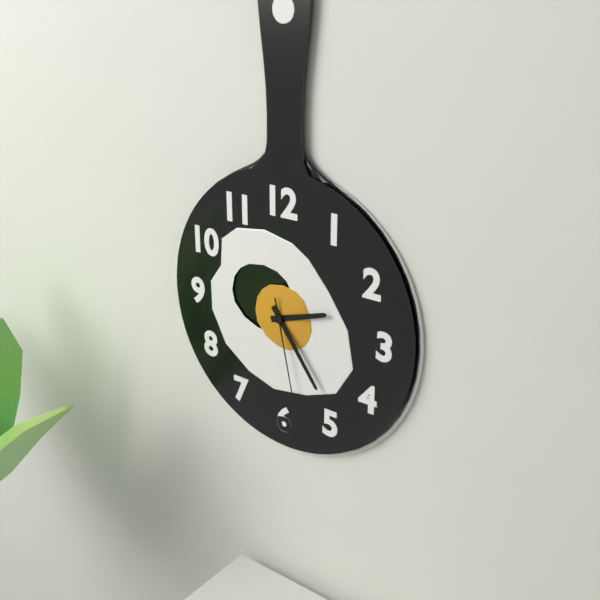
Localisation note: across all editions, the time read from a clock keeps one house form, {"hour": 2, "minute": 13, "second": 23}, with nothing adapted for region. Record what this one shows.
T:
{"hour": 2, "minute": 24, "second": 28}
